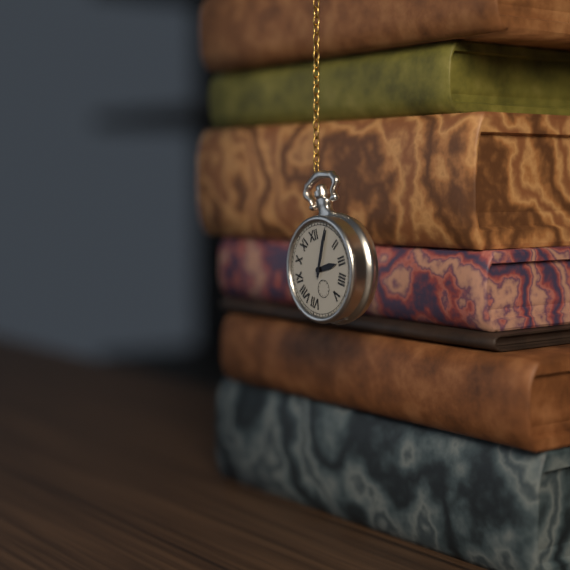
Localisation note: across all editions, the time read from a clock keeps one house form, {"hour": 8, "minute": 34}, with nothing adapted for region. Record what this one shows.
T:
{"hour": 3, "minute": 5}
